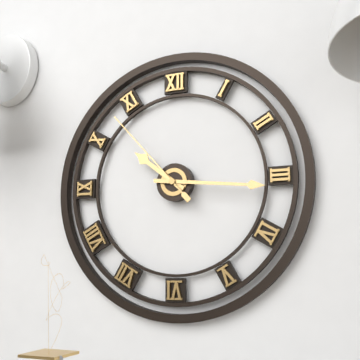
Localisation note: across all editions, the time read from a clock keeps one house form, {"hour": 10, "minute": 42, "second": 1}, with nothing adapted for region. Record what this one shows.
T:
{"hour": 10, "minute": 16, "second": 53}
